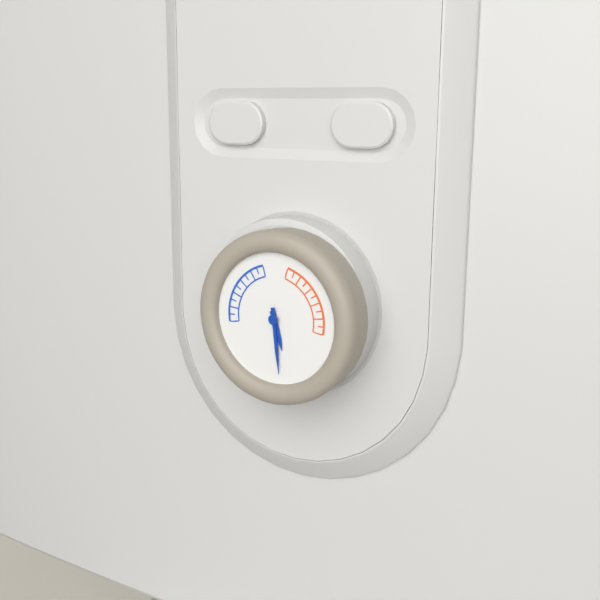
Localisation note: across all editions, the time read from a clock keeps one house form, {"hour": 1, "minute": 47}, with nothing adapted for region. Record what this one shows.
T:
{"hour": 5, "minute": 29}
